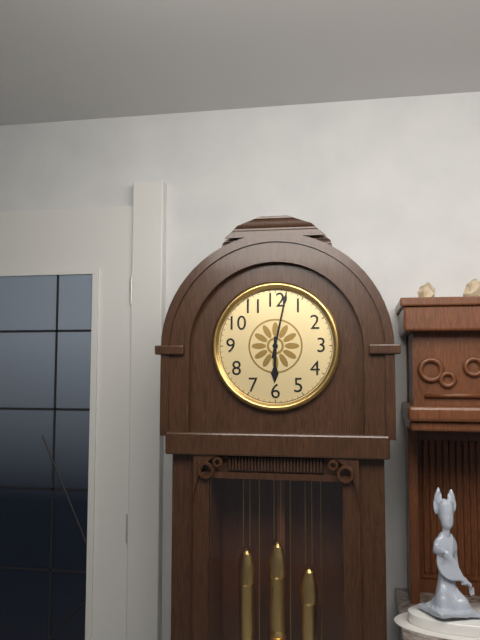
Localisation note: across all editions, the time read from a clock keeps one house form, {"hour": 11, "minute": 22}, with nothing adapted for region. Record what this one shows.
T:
{"hour": 6, "minute": 2}
